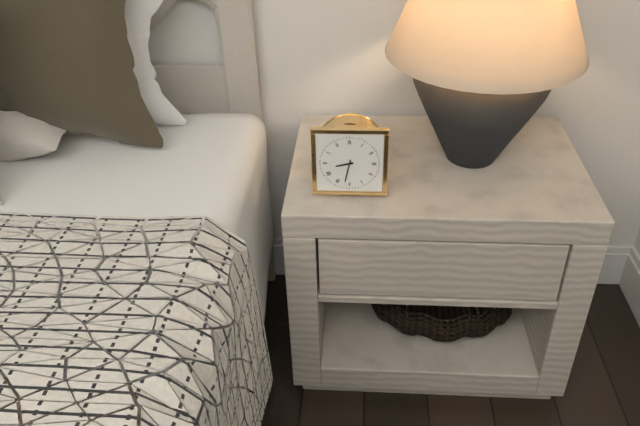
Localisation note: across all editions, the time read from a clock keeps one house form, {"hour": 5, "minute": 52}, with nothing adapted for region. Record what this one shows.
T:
{"hour": 8, "minute": 32}
